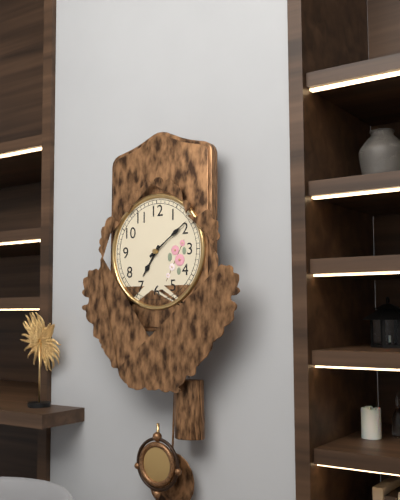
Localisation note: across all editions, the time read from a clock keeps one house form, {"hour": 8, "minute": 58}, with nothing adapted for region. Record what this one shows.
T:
{"hour": 7, "minute": 9}
